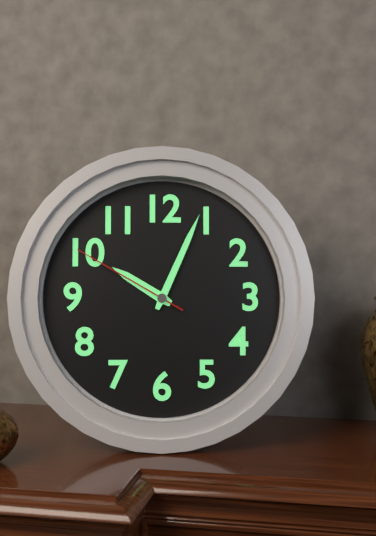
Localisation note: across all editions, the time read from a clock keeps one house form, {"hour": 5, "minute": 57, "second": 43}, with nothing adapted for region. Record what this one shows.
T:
{"hour": 10, "minute": 4, "second": 50}
